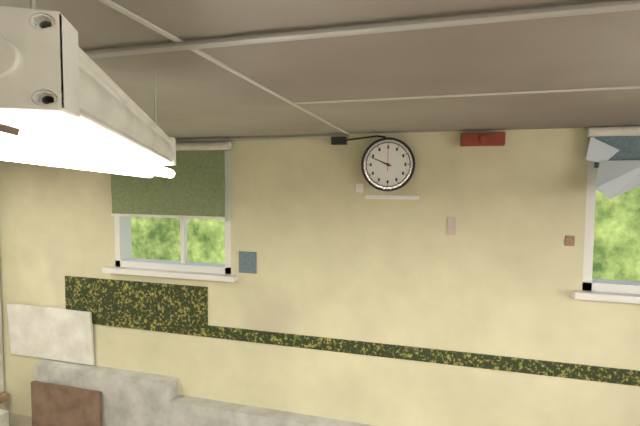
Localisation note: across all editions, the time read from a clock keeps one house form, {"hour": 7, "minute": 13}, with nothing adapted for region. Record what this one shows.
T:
{"hour": 9, "minute": 49}
